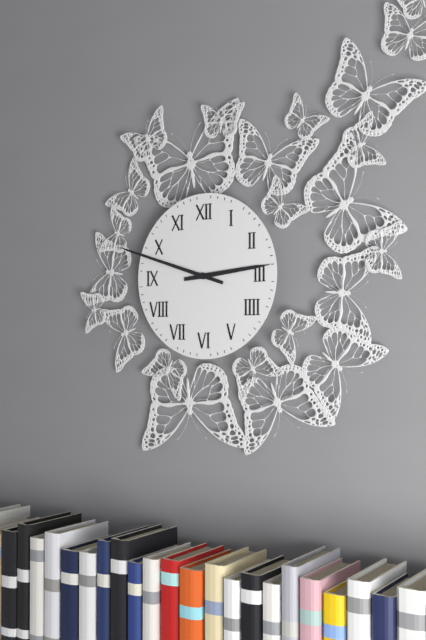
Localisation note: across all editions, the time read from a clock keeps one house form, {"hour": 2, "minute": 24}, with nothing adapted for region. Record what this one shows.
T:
{"hour": 2, "minute": 48}
